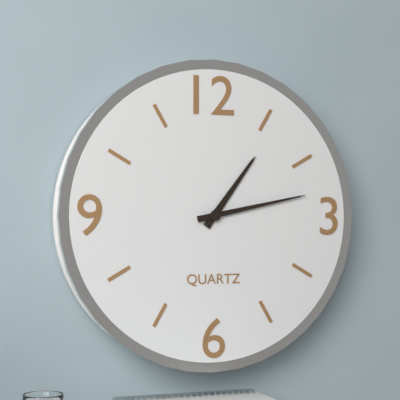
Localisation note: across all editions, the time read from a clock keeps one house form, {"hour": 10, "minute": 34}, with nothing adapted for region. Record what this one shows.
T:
{"hour": 1, "minute": 13}
